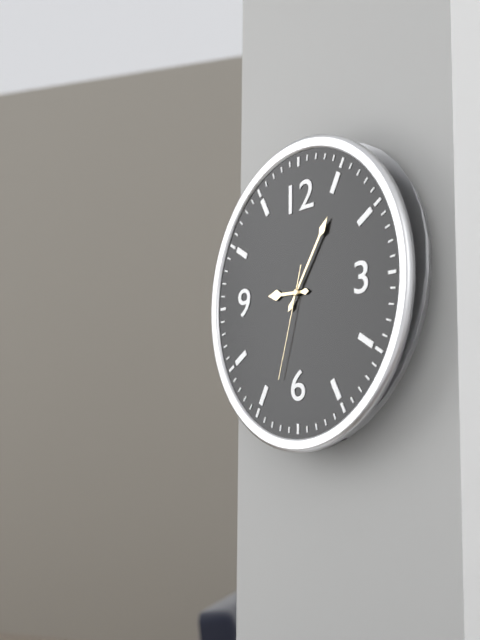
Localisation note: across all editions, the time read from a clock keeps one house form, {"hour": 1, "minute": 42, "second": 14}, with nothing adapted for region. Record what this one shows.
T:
{"hour": 9, "minute": 6, "second": 33}
